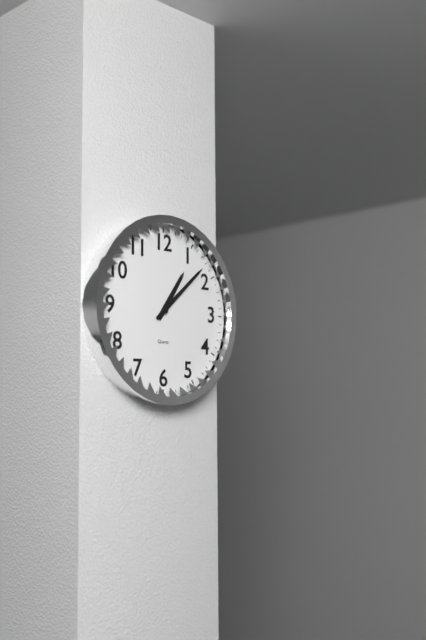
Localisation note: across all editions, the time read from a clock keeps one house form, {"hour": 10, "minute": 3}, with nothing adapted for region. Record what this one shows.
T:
{"hour": 1, "minute": 8}
